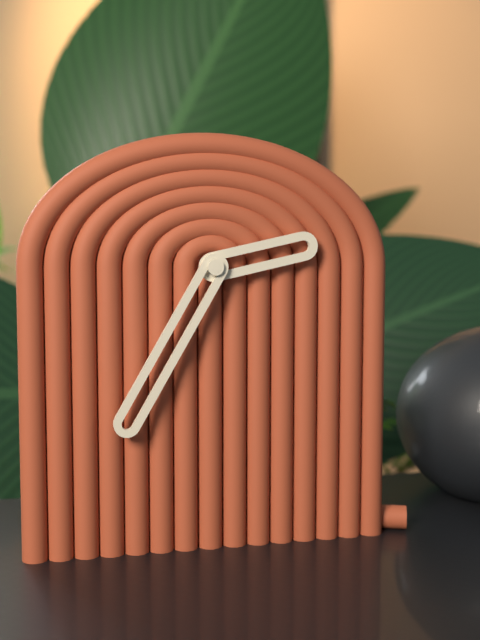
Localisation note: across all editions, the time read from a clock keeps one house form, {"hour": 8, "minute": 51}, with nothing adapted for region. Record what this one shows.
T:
{"hour": 2, "minute": 35}
